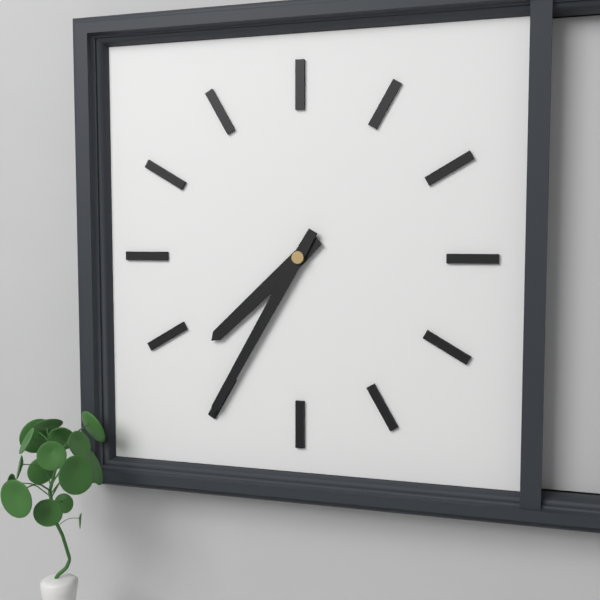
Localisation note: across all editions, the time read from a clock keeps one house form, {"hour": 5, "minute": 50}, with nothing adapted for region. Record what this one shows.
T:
{"hour": 7, "minute": 35}
